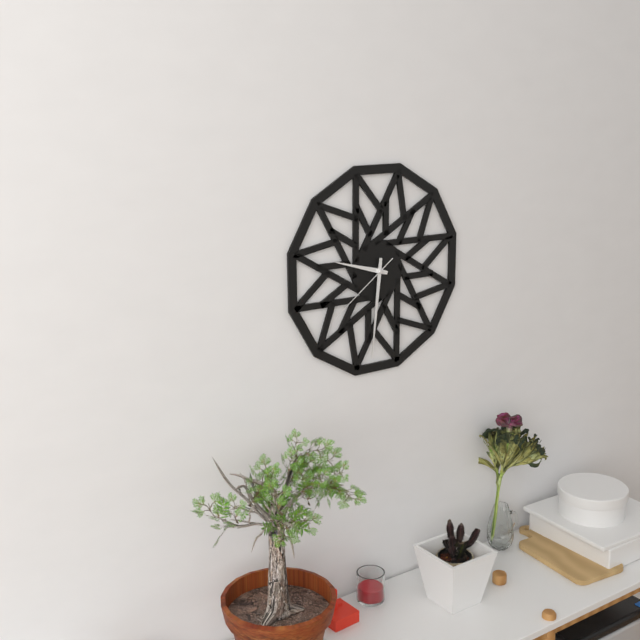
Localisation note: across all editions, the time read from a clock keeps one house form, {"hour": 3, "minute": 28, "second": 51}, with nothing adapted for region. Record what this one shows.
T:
{"hour": 9, "minute": 31, "second": 39}
